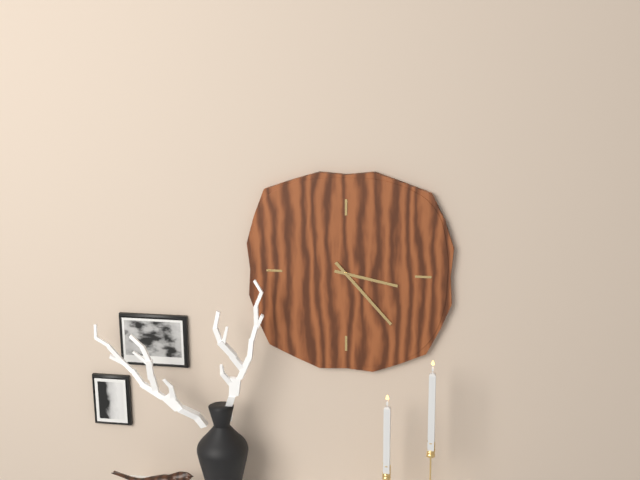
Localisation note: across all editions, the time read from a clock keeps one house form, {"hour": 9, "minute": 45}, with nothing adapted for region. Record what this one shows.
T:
{"hour": 3, "minute": 23}
